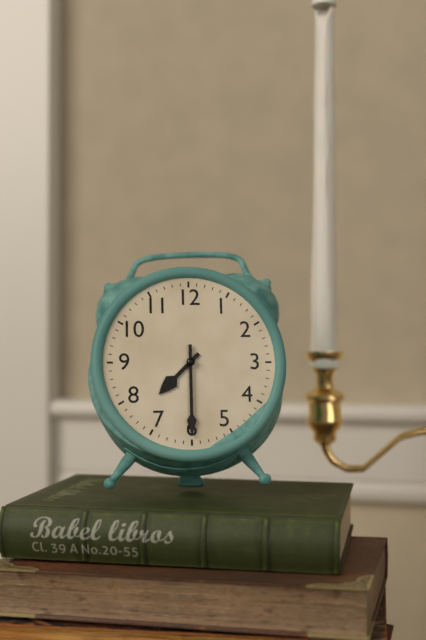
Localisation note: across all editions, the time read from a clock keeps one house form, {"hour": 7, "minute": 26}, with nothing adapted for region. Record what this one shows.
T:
{"hour": 7, "minute": 30}
